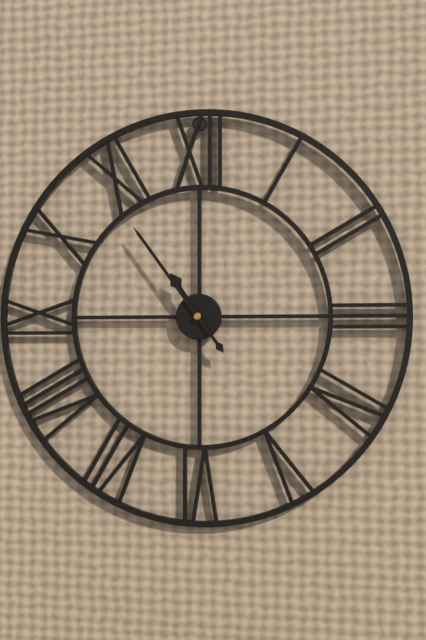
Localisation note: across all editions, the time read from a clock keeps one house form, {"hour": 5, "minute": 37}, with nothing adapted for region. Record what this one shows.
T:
{"hour": 10, "minute": 54}
